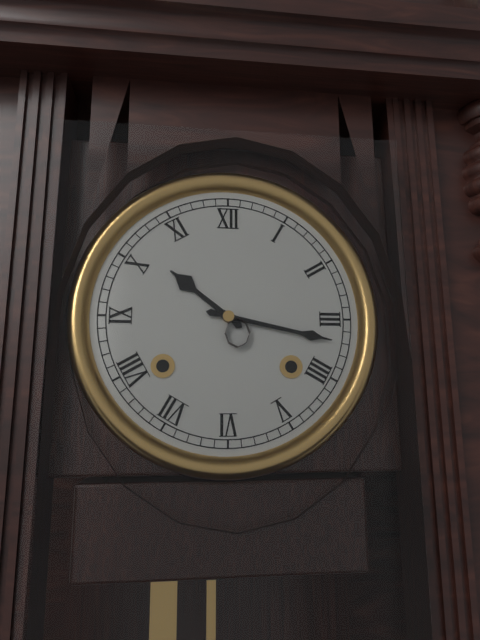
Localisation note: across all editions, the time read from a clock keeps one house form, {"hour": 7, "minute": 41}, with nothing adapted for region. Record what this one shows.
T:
{"hour": 10, "minute": 17}
